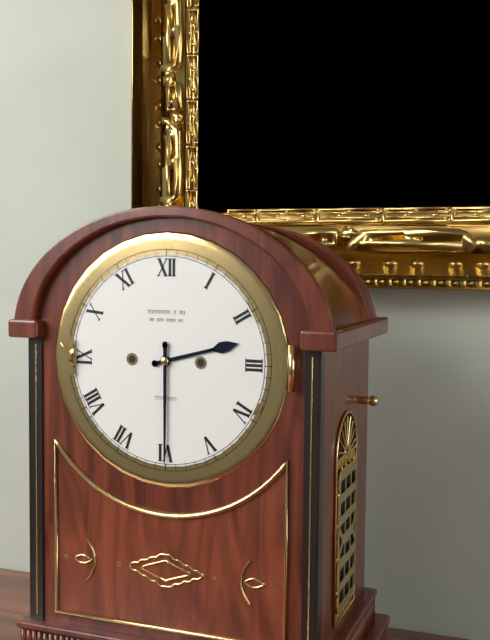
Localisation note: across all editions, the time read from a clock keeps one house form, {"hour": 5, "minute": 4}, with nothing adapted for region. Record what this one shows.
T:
{"hour": 2, "minute": 30}
